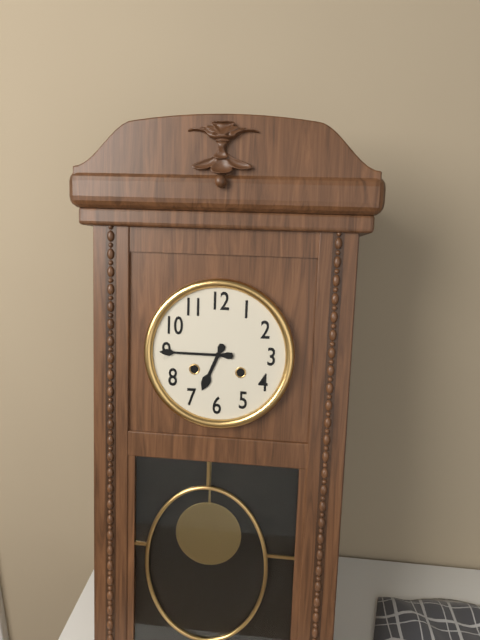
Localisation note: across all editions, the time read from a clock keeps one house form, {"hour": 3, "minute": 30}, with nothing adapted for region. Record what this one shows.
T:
{"hour": 6, "minute": 45}
